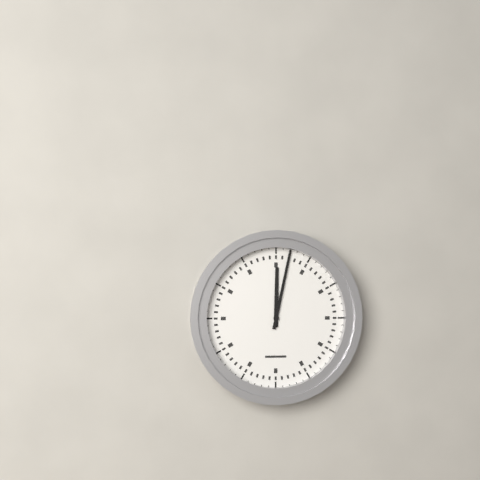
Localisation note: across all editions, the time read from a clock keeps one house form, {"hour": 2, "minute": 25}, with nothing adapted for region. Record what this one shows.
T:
{"hour": 12, "minute": 2}
